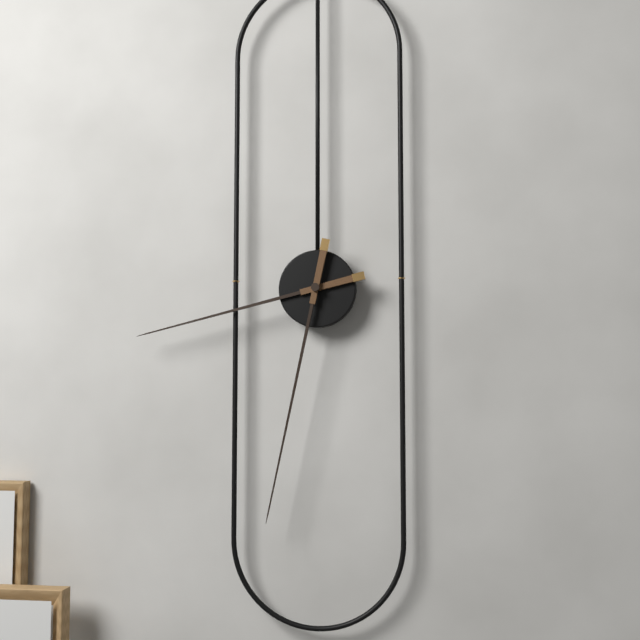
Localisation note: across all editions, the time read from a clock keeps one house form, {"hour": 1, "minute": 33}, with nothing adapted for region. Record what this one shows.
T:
{"hour": 8, "minute": 32}
